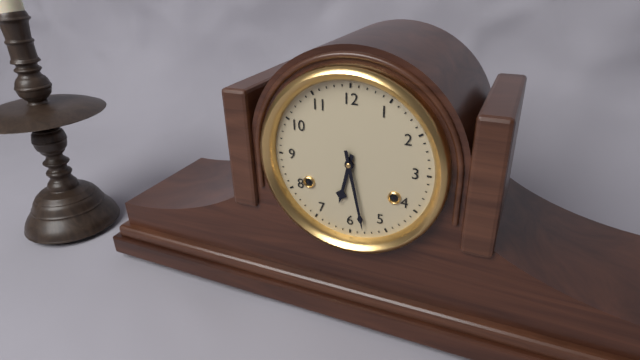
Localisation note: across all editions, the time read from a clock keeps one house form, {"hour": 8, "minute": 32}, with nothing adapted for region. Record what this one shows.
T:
{"hour": 6, "minute": 28}
